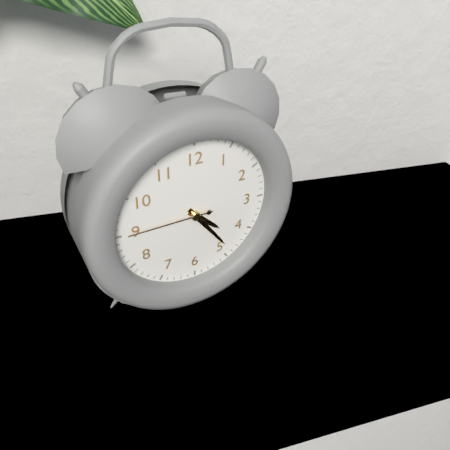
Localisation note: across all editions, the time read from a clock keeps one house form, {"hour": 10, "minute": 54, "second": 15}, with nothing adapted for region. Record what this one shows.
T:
{"hour": 4, "minute": 24, "second": 45}
